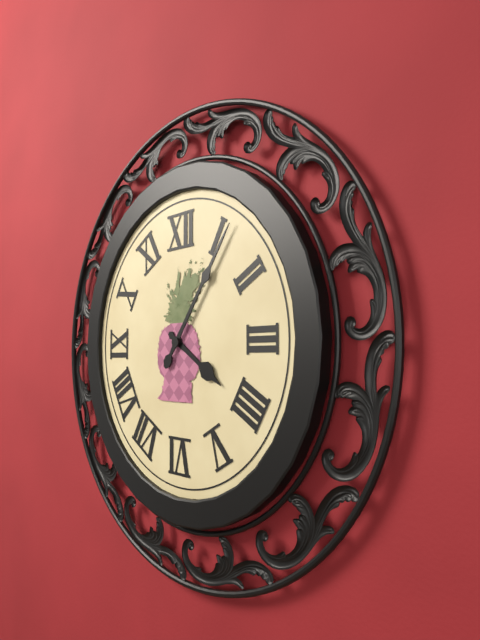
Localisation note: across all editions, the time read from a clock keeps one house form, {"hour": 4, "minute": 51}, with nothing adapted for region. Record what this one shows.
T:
{"hour": 4, "minute": 6}
